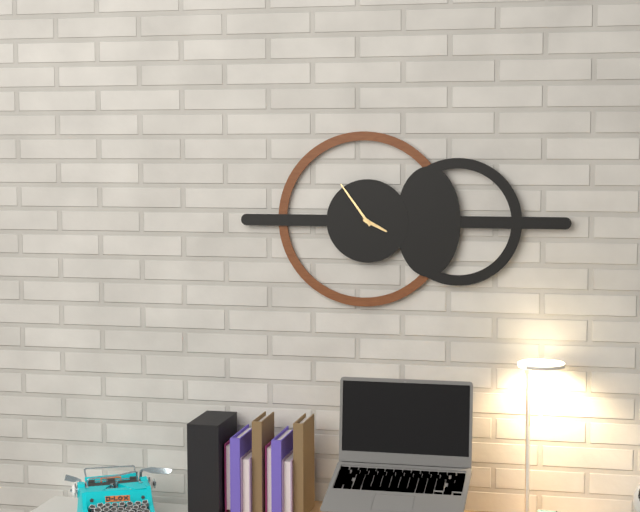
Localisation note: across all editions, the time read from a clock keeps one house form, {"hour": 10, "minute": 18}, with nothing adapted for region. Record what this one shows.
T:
{"hour": 3, "minute": 54}
